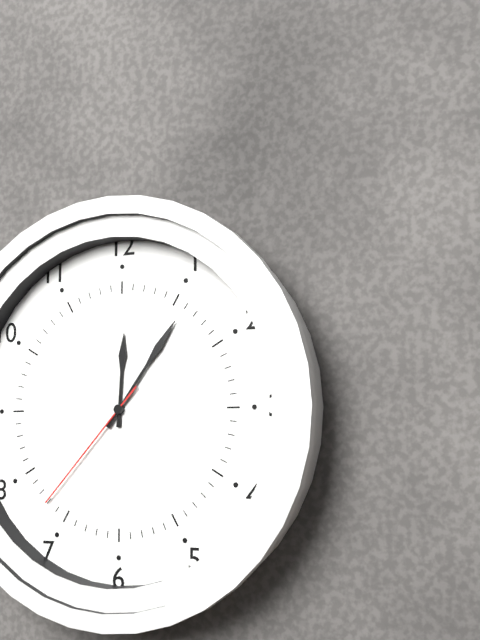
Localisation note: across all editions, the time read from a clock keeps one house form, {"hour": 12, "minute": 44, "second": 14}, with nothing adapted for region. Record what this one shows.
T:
{"hour": 12, "minute": 6, "second": 37}
